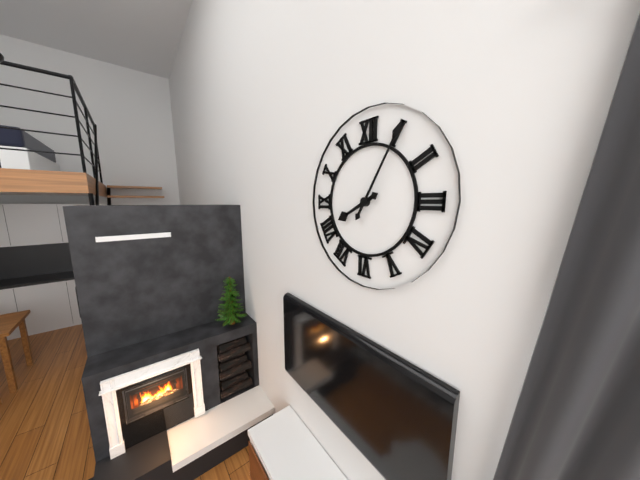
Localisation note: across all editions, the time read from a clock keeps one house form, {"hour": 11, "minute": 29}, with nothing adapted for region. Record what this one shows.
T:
{"hour": 8, "minute": 5}
